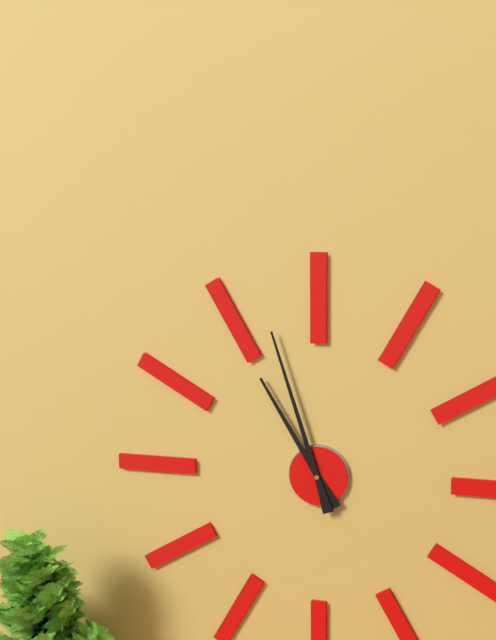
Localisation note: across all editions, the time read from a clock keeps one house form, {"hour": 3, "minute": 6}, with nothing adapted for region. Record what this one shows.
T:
{"hour": 10, "minute": 57}
